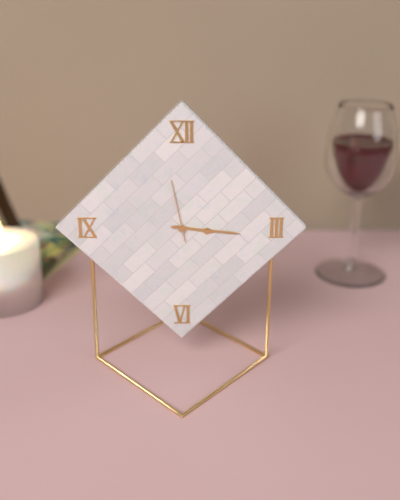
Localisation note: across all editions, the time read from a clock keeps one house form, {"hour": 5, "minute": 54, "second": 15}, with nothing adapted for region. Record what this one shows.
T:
{"hour": 3, "minute": 16, "second": 58}
